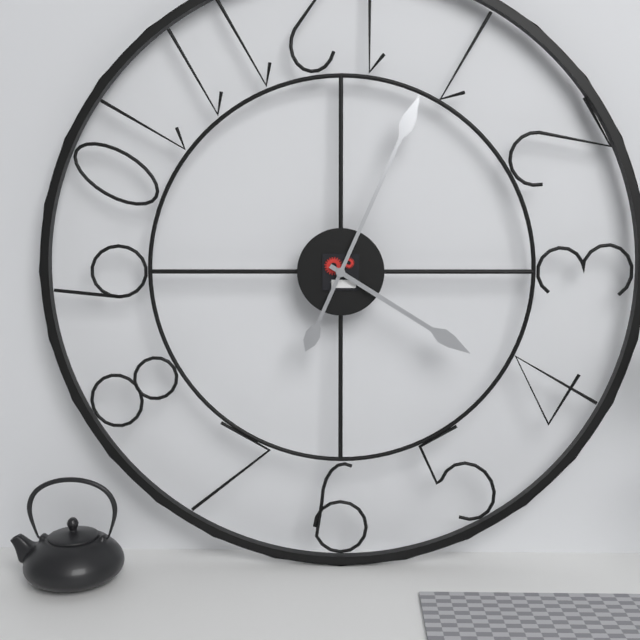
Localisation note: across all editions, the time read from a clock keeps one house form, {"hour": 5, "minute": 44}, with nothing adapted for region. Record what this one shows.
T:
{"hour": 4, "minute": 4}
